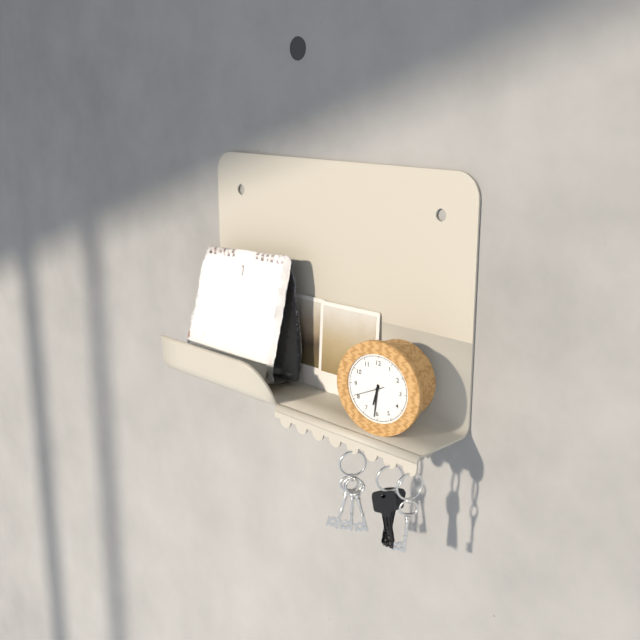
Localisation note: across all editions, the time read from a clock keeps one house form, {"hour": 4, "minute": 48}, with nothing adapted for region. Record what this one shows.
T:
{"hour": 6, "minute": 31}
